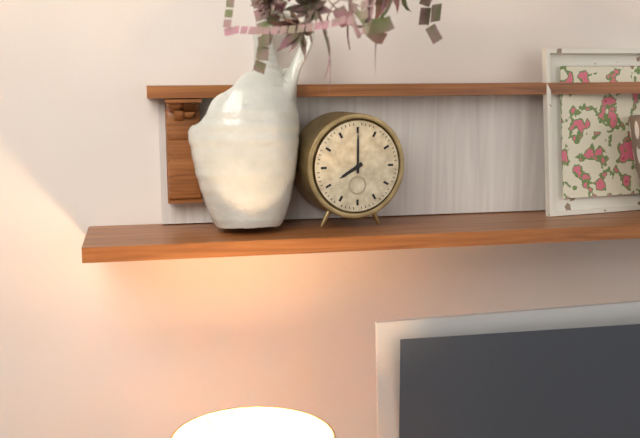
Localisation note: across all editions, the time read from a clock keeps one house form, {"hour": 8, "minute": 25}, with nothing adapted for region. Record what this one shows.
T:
{"hour": 8, "minute": 0}
